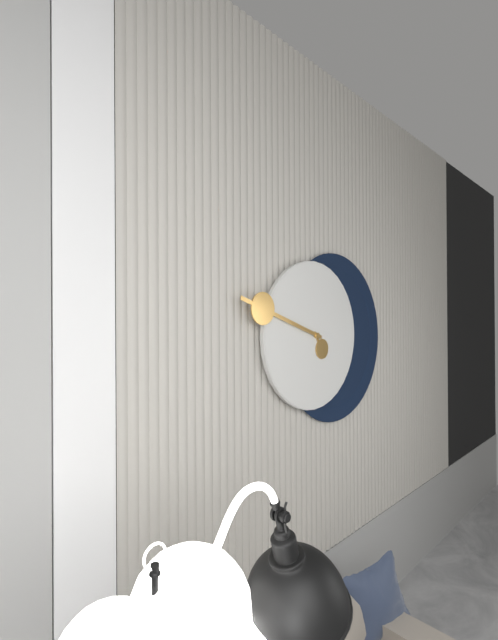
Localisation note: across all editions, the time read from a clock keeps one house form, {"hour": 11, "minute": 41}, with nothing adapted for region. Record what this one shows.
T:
{"hour": 4, "minute": 48}
